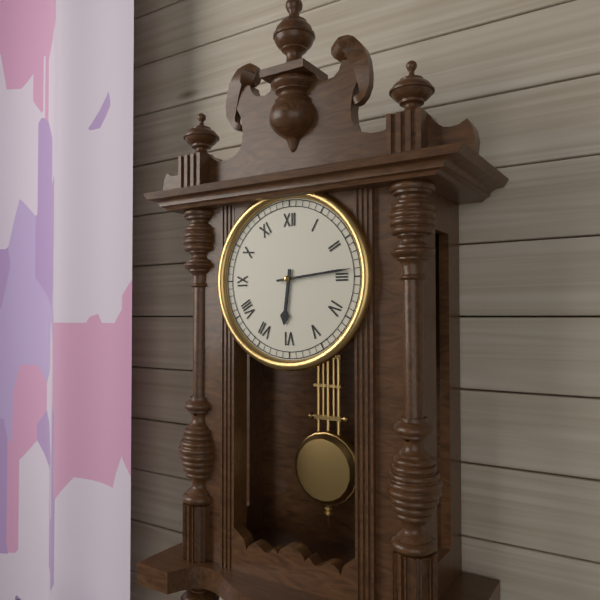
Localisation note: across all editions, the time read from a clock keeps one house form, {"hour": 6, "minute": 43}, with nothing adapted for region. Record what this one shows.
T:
{"hour": 6, "minute": 14}
